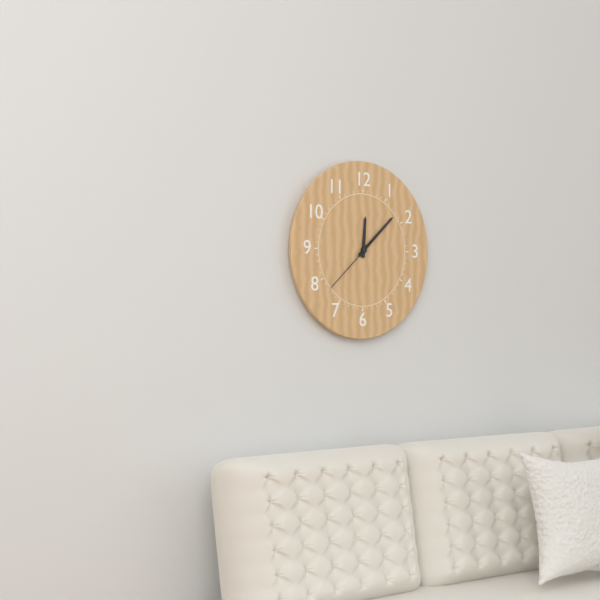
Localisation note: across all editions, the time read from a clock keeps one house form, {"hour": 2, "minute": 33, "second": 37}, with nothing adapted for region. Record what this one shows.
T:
{"hour": 12, "minute": 8, "second": 38}
